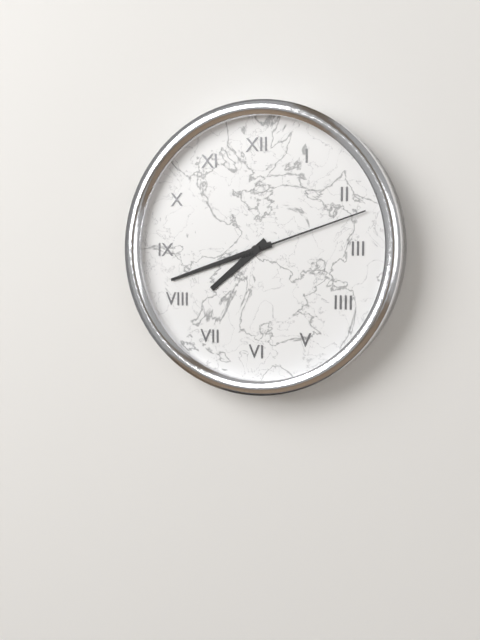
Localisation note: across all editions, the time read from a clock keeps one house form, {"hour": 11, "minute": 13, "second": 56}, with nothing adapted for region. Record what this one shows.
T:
{"hour": 7, "minute": 42, "second": 12}
